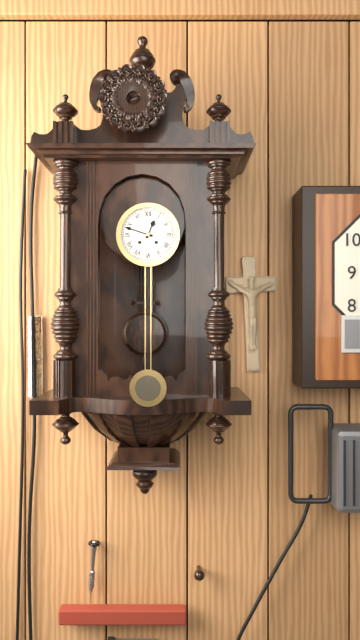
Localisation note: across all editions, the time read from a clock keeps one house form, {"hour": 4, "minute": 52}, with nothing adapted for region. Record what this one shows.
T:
{"hour": 12, "minute": 48}
